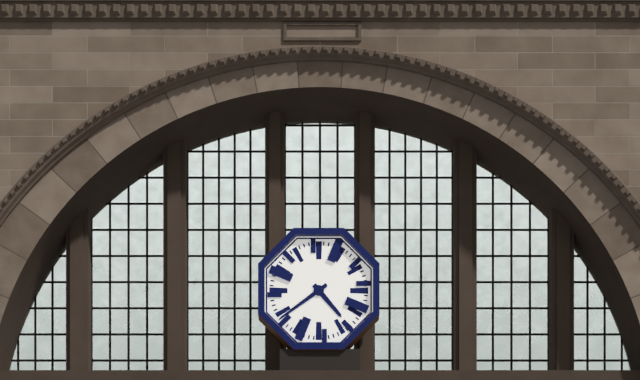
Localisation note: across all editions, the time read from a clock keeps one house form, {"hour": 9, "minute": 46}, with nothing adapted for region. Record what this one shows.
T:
{"hour": 4, "minute": 39}
